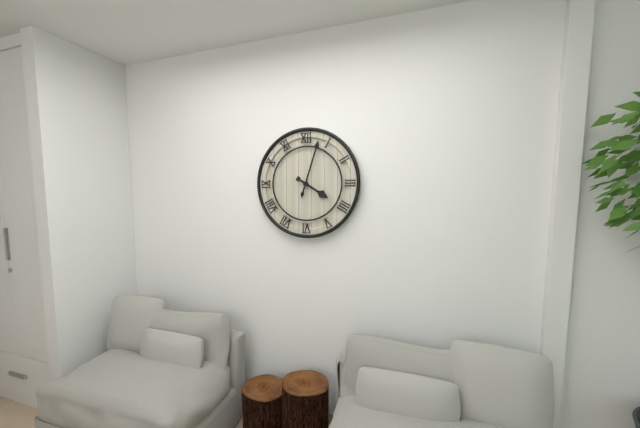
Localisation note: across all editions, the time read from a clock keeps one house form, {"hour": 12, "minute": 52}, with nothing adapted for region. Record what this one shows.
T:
{"hour": 4, "minute": 3}
